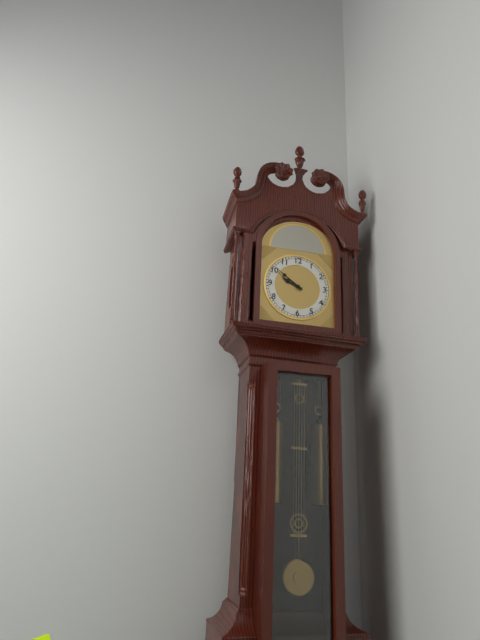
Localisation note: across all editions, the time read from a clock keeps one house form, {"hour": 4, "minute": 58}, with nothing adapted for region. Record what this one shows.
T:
{"hour": 9, "minute": 51}
